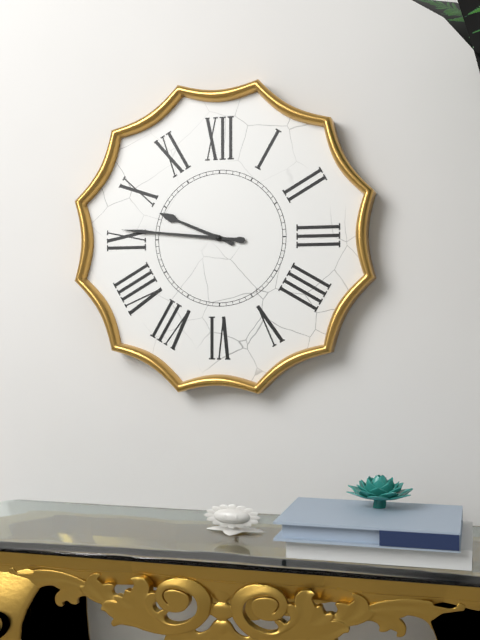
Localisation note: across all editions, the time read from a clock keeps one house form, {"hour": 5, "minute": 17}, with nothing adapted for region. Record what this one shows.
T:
{"hour": 9, "minute": 46}
